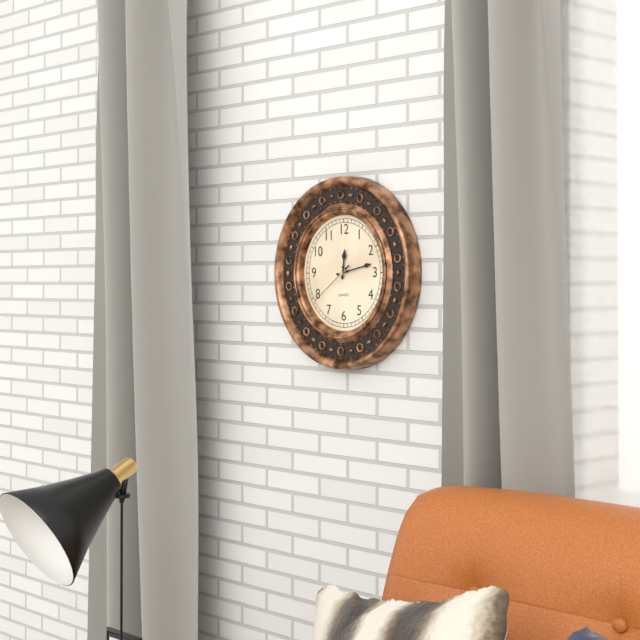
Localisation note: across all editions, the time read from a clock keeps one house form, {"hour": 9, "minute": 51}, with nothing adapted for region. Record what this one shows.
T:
{"hour": 12, "minute": 13}
